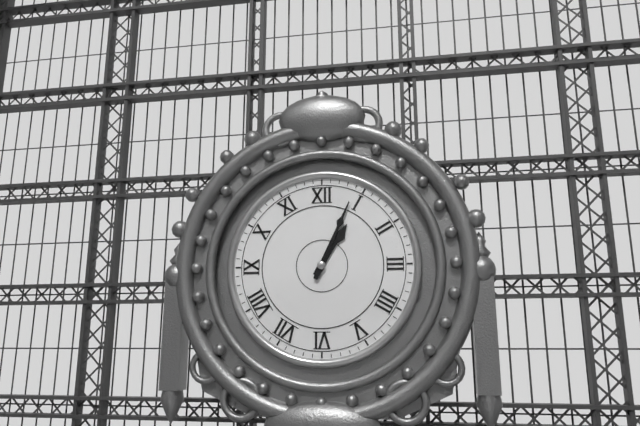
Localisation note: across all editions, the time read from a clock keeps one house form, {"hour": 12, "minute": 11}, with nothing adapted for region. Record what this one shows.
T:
{"hour": 1, "minute": 4}
